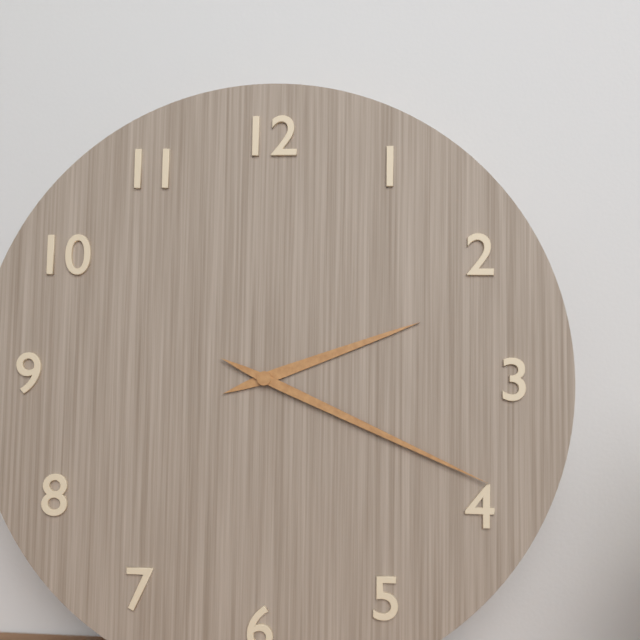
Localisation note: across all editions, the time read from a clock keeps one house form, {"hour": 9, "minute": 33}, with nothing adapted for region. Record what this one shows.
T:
{"hour": 2, "minute": 19}
